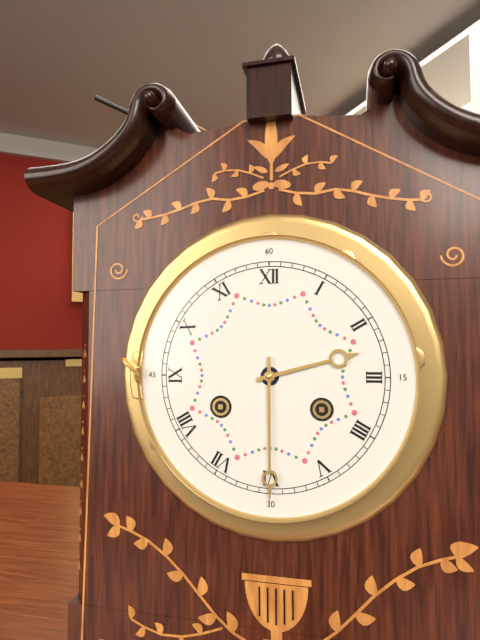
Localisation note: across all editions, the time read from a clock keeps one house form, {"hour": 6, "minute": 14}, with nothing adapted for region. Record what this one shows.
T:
{"hour": 2, "minute": 30}
